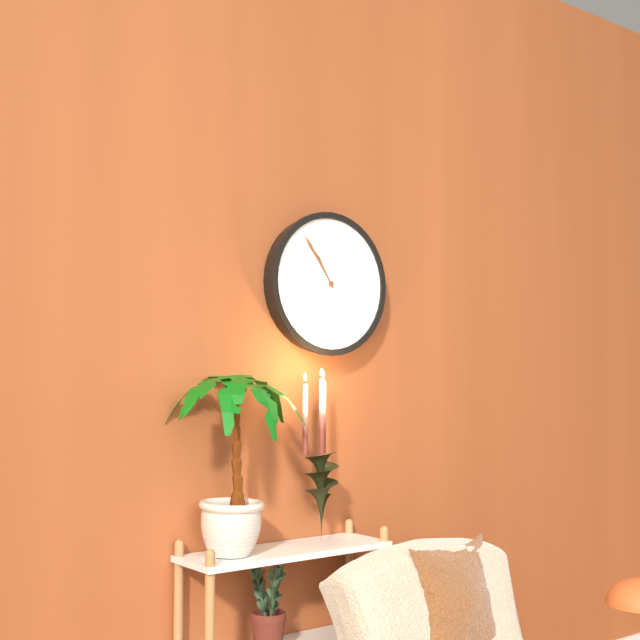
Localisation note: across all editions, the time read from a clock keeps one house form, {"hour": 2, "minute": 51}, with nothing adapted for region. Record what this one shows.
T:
{"hour": 10, "minute": 54}
